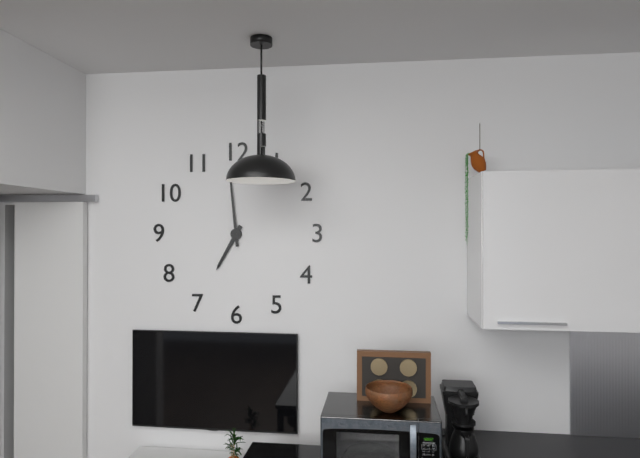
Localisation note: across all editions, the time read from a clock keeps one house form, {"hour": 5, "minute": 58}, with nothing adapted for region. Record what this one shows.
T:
{"hour": 6, "minute": 59}
